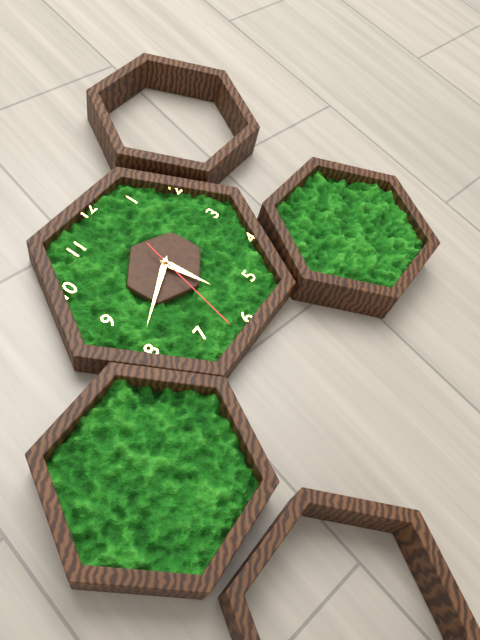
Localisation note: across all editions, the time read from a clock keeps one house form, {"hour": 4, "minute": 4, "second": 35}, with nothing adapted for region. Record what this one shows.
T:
{"hour": 5, "minute": 41, "second": 32}
